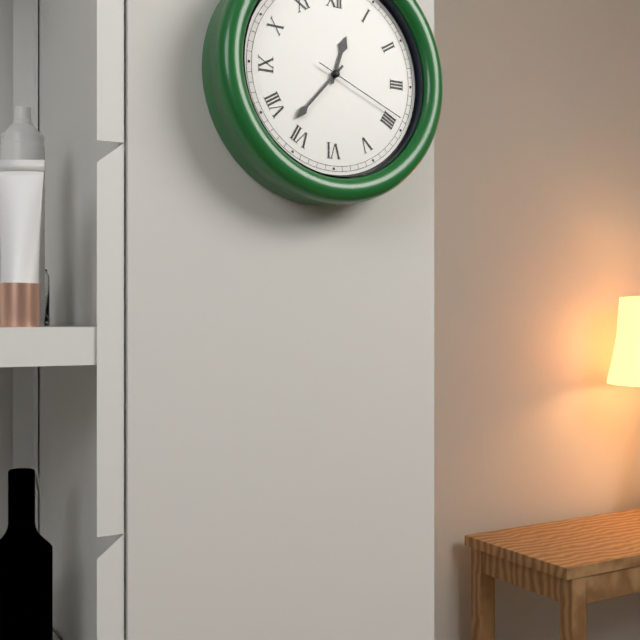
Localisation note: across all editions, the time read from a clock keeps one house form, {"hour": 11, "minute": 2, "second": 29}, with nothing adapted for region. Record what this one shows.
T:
{"hour": 12, "minute": 37, "second": 19}
